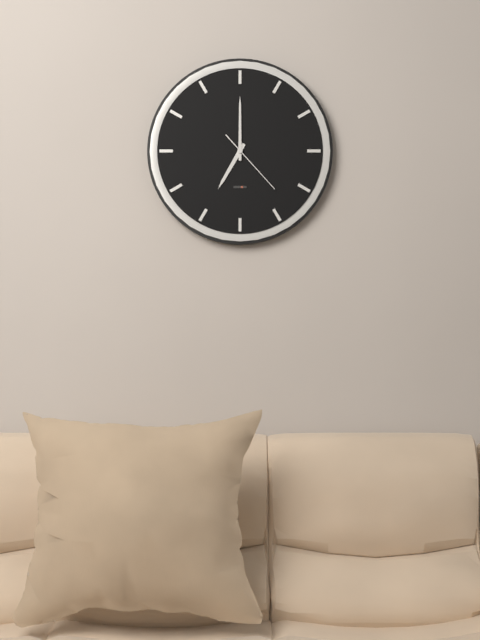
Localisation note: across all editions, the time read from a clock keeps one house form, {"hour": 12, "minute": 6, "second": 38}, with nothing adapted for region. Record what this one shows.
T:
{"hour": 7, "minute": 0, "second": 23}
